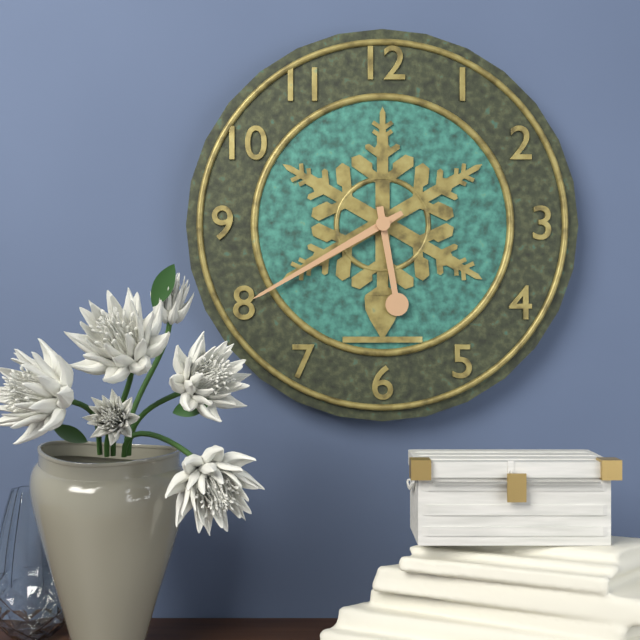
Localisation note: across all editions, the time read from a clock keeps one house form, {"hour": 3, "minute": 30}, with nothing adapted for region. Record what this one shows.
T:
{"hour": 5, "minute": 40}
